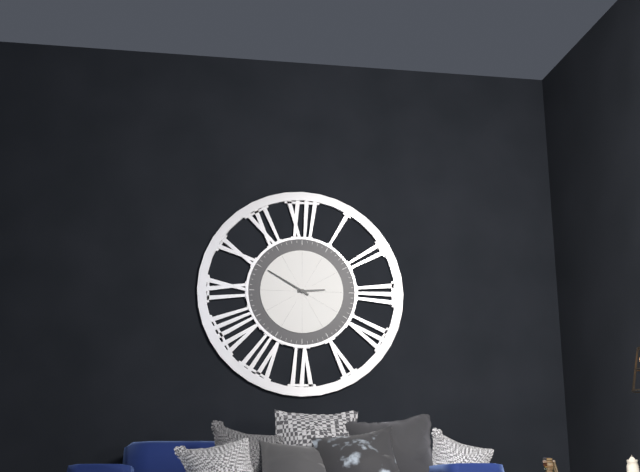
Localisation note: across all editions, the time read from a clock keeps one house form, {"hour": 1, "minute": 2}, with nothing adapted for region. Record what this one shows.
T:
{"hour": 2, "minute": 50}
